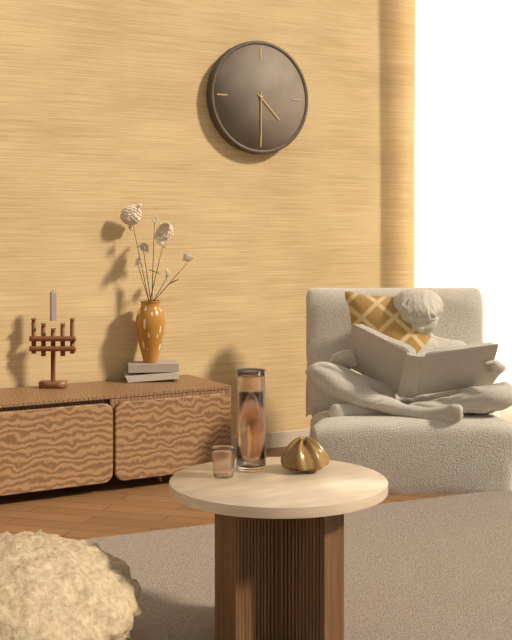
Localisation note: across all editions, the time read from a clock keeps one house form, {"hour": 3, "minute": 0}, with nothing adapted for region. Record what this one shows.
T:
{"hour": 4, "minute": 30}
